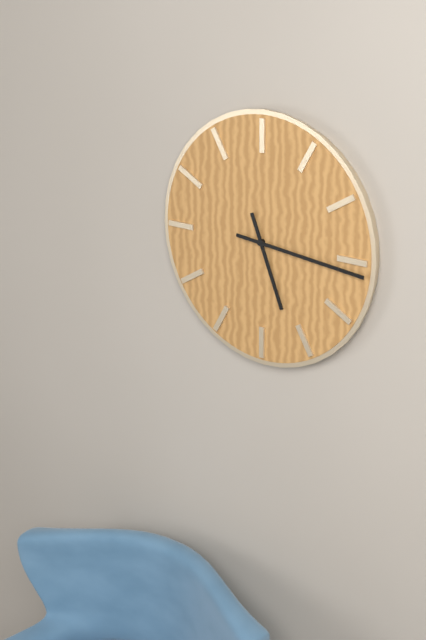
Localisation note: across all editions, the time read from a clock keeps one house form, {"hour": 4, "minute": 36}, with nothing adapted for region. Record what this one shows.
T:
{"hour": 5, "minute": 16}
